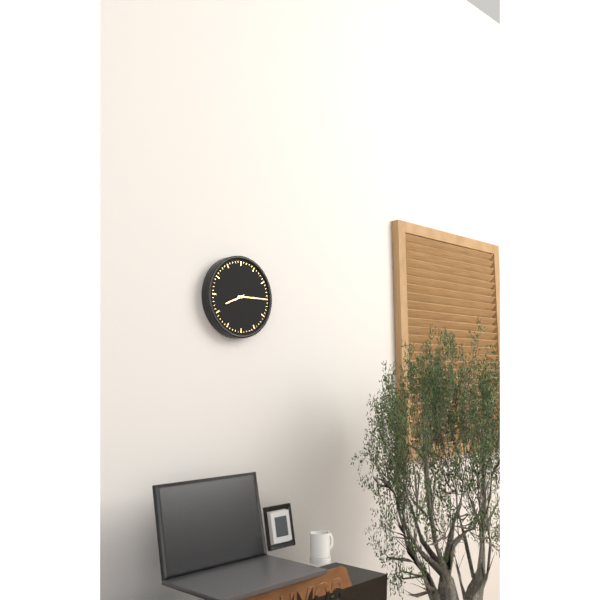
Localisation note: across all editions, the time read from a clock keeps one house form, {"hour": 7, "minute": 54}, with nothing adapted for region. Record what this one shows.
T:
{"hour": 8, "minute": 15}
